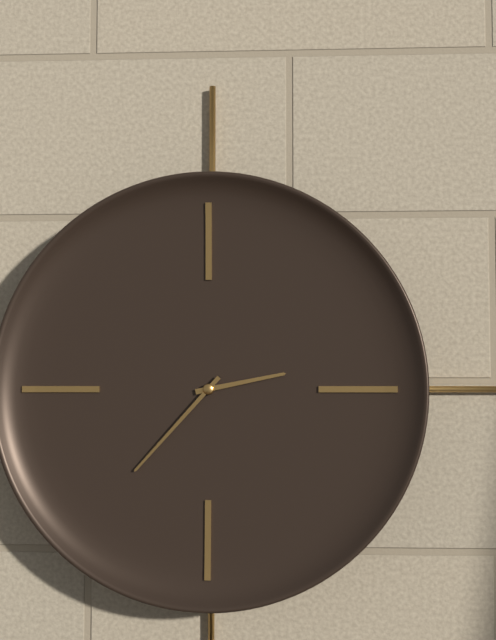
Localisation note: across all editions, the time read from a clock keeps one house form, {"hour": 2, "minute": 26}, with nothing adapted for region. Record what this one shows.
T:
{"hour": 2, "minute": 37}
